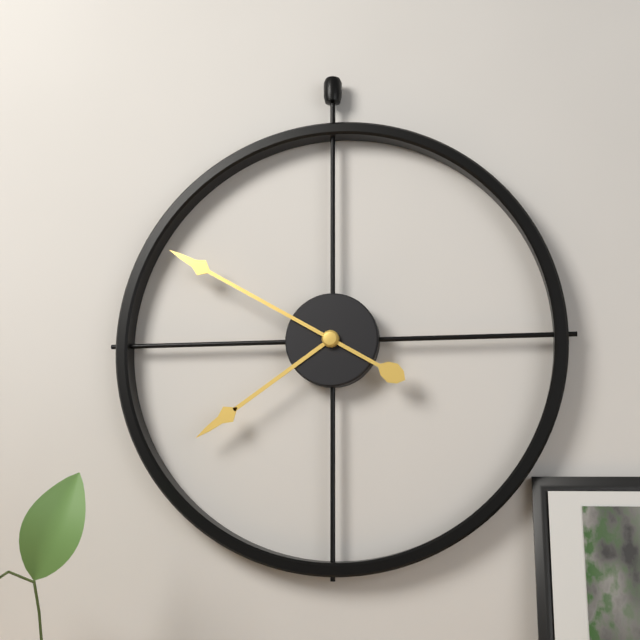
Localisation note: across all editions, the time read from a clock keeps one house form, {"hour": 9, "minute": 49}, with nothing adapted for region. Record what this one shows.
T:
{"hour": 7, "minute": 50}
